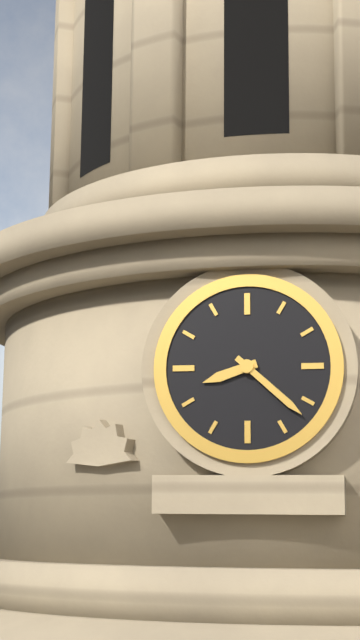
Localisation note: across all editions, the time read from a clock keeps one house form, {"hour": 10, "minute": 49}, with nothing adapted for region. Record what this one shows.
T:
{"hour": 8, "minute": 22}
